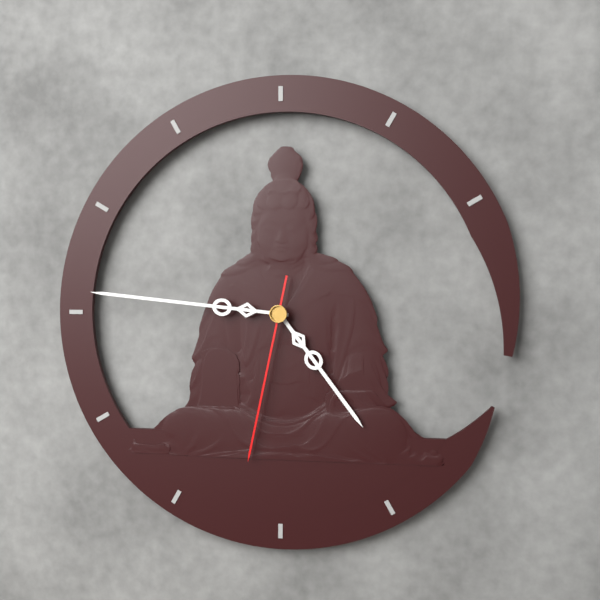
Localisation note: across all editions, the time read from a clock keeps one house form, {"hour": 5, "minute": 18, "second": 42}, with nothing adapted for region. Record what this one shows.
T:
{"hour": 4, "minute": 46, "second": 32}
